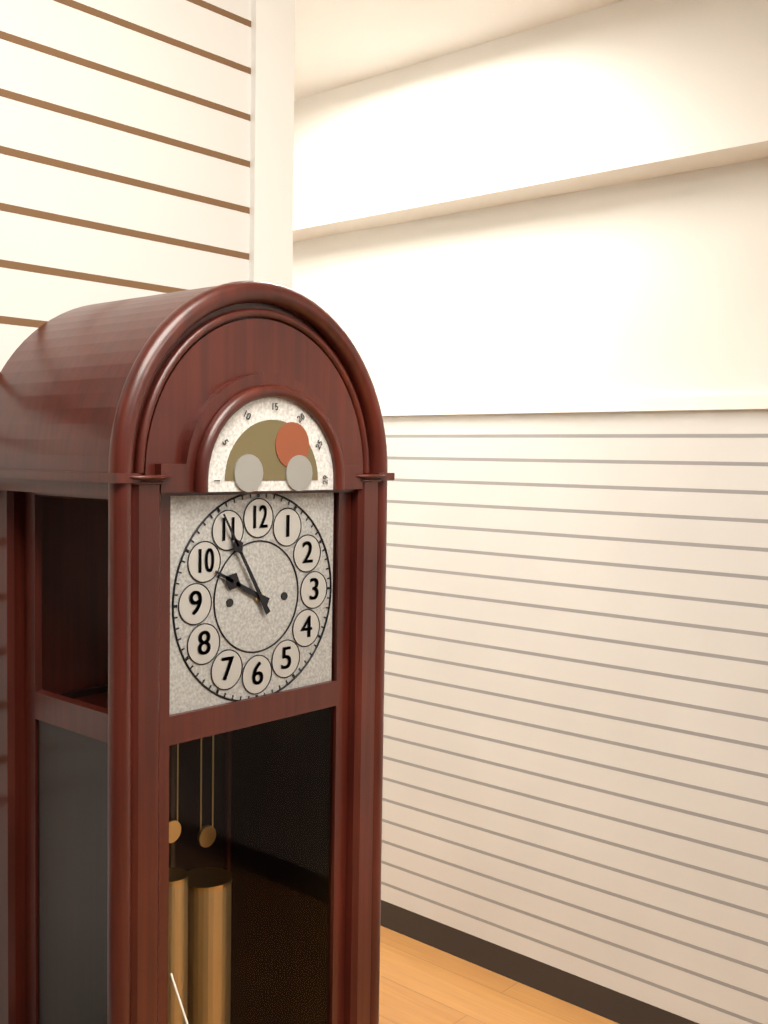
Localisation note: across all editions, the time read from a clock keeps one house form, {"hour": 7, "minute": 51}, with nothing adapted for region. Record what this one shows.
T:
{"hour": 9, "minute": 55}
